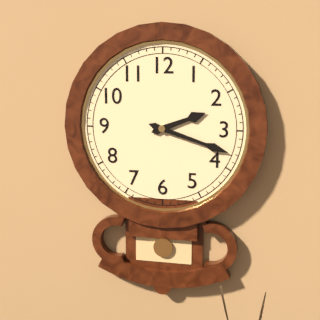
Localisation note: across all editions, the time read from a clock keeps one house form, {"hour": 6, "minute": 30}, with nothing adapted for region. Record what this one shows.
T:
{"hour": 2, "minute": 18}
